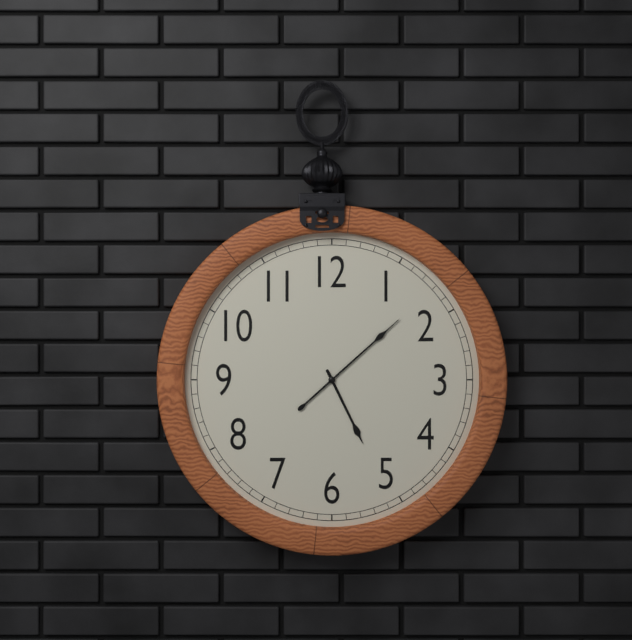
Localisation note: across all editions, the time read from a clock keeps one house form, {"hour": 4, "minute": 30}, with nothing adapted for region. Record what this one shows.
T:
{"hour": 5, "minute": 8}
